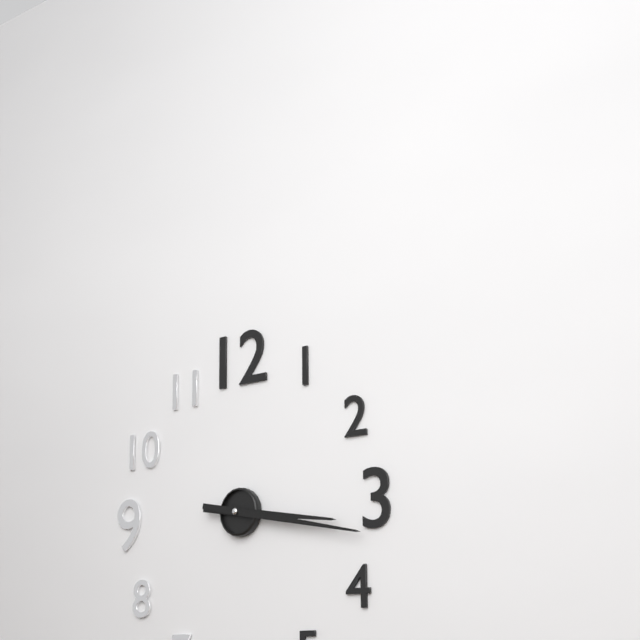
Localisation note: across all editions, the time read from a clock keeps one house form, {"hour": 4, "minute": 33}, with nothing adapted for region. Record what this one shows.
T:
{"hour": 3, "minute": 17}
